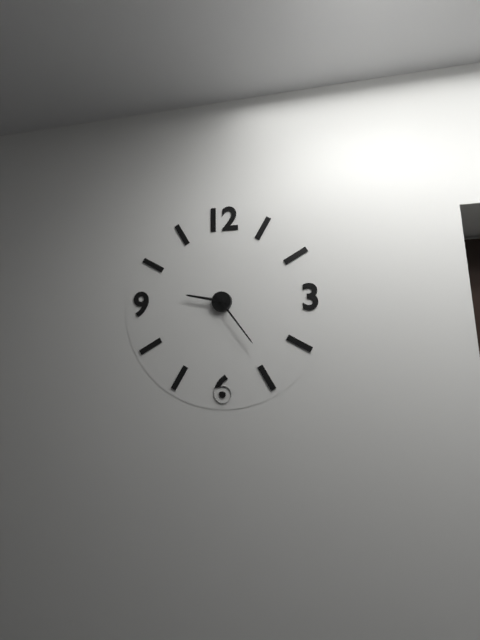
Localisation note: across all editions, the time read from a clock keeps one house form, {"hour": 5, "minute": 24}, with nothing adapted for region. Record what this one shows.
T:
{"hour": 9, "minute": 24}
